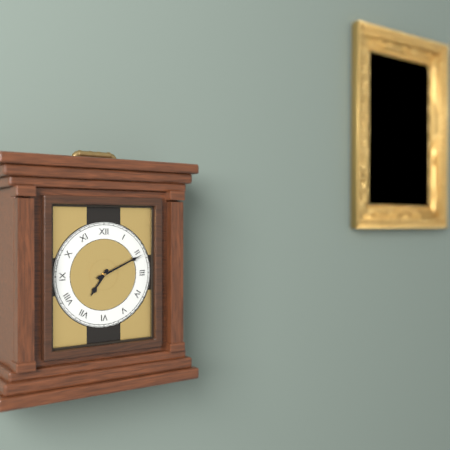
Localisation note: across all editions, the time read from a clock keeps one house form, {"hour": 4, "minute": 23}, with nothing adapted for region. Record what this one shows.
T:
{"hour": 7, "minute": 11}
